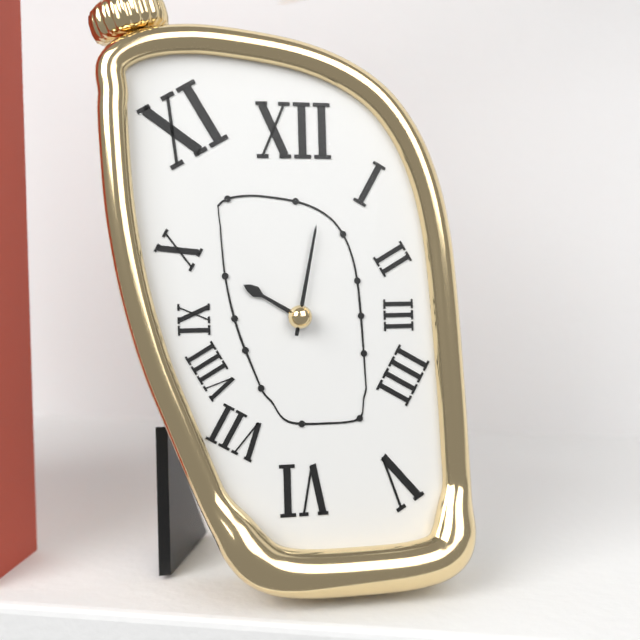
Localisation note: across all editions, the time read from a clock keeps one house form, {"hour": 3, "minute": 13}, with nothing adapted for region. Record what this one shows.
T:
{"hour": 10, "minute": 2}
